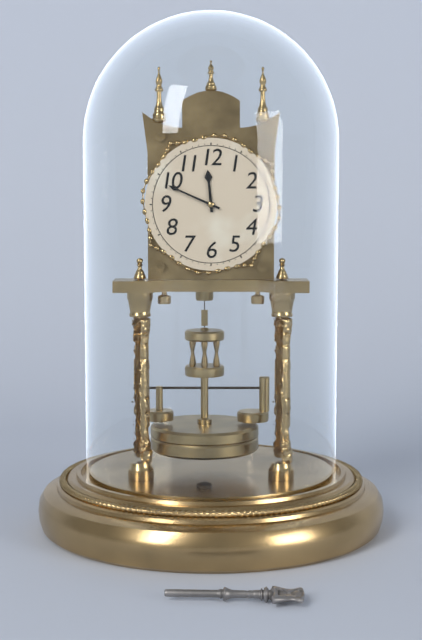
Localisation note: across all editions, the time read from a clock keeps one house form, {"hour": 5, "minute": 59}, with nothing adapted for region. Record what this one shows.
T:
{"hour": 11, "minute": 49}
